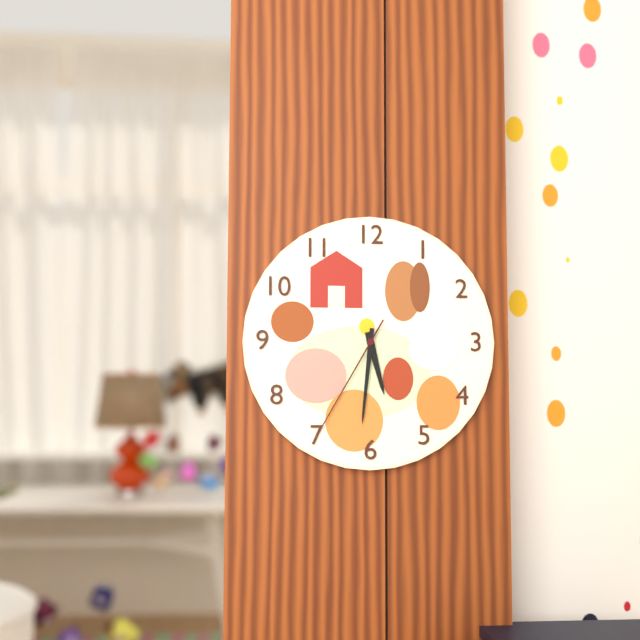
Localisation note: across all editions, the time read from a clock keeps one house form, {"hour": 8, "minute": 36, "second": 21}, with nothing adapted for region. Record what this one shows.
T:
{"hour": 5, "minute": 31, "second": 35}
